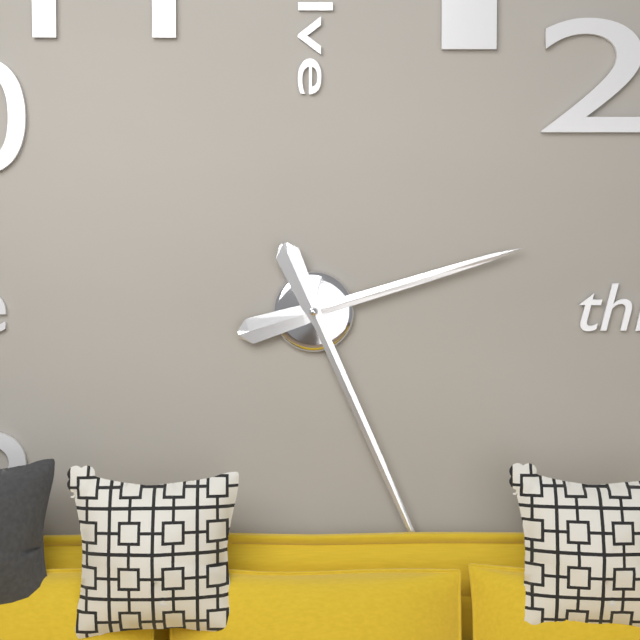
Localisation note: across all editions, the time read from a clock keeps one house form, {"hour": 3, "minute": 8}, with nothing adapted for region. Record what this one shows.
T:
{"hour": 2, "minute": 26}
